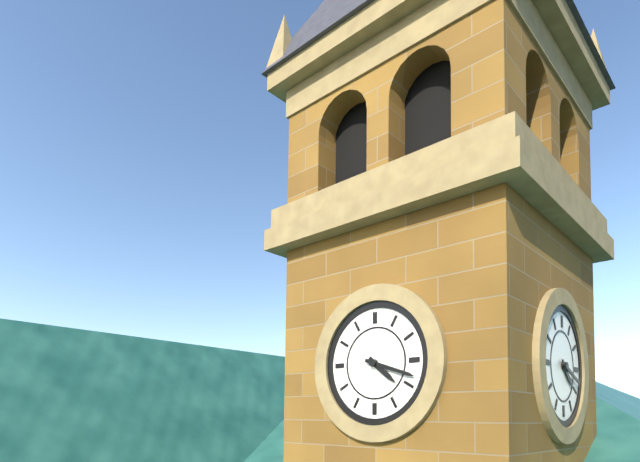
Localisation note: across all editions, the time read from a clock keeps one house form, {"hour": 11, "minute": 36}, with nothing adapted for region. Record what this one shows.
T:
{"hour": 4, "minute": 18}
